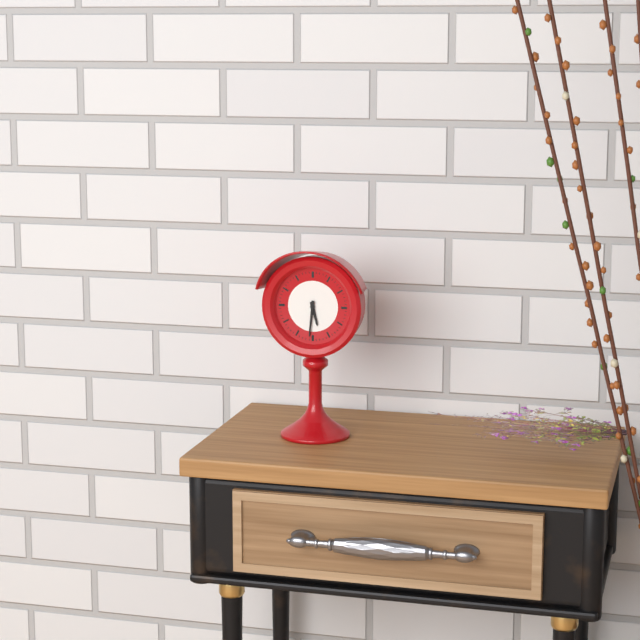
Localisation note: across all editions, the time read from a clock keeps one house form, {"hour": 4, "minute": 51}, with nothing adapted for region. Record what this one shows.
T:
{"hour": 5, "minute": 31}
